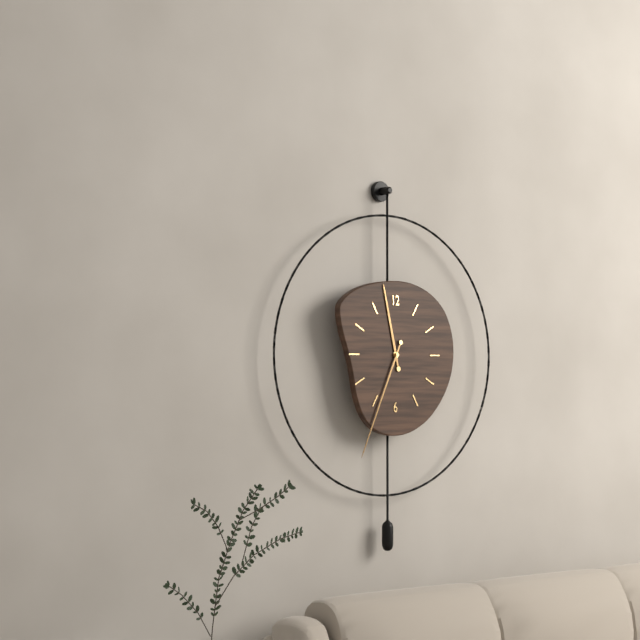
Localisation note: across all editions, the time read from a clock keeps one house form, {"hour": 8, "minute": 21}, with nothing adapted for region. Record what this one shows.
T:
{"hour": 11, "minute": 34}
